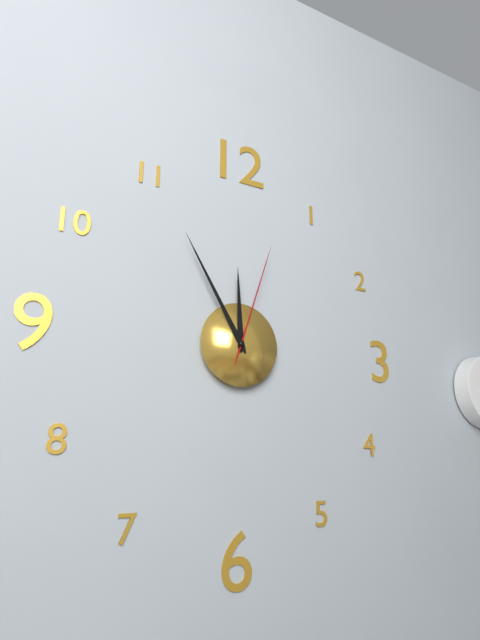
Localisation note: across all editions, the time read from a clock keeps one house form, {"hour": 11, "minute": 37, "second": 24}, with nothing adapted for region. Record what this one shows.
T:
{"hour": 11, "minute": 55, "second": 3}
